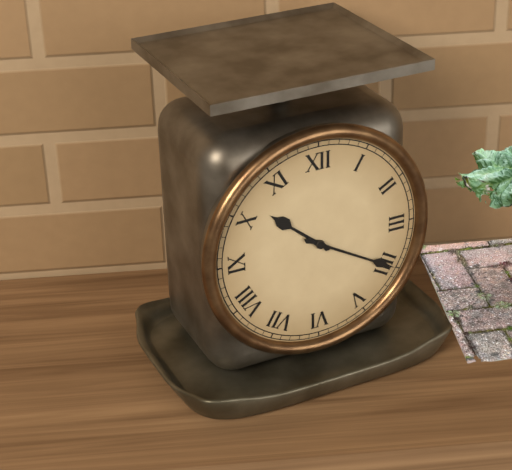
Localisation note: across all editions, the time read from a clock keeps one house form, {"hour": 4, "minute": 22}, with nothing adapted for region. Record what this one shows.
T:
{"hour": 10, "minute": 20}
